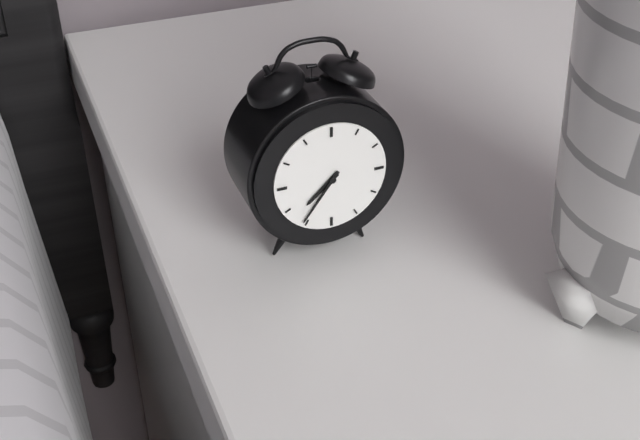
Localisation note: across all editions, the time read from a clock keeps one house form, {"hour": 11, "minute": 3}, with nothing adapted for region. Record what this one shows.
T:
{"hour": 7, "minute": 36}
